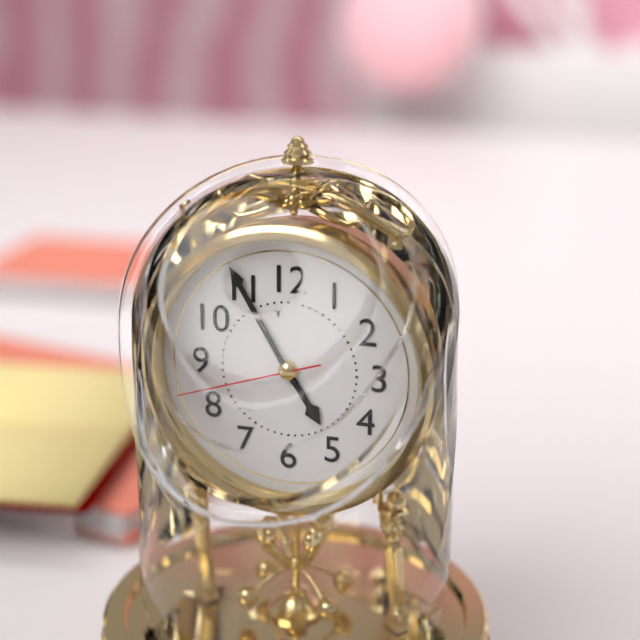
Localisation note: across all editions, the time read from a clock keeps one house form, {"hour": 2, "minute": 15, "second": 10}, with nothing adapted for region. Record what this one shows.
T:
{"hour": 4, "minute": 55, "second": 42}
